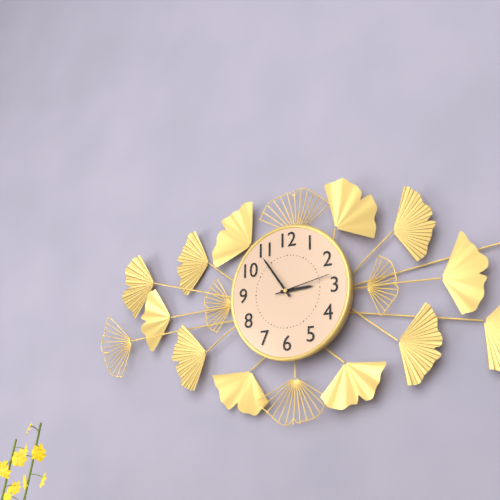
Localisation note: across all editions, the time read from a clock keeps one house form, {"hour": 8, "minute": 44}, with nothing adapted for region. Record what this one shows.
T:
{"hour": 2, "minute": 54}
